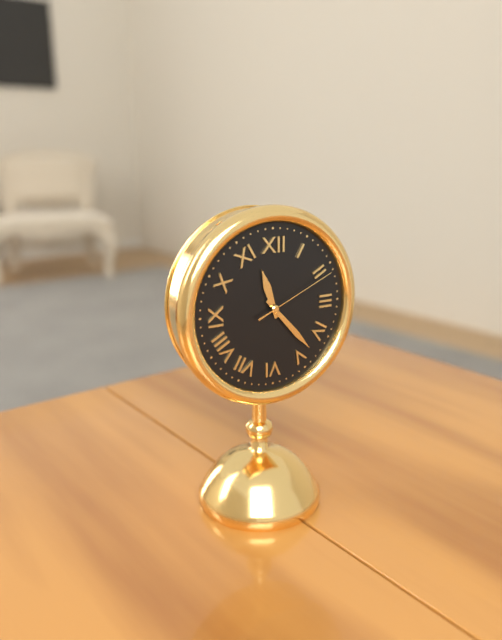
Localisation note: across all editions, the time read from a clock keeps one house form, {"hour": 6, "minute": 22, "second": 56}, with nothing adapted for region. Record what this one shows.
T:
{"hour": 11, "minute": 23, "second": 11}
